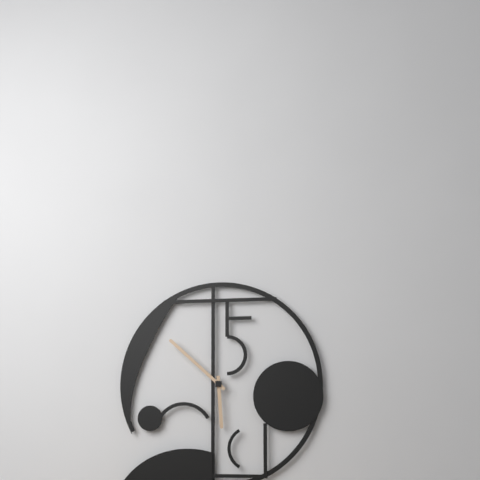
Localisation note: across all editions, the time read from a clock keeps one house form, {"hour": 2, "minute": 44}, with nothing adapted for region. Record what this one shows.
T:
{"hour": 5, "minute": 52}
